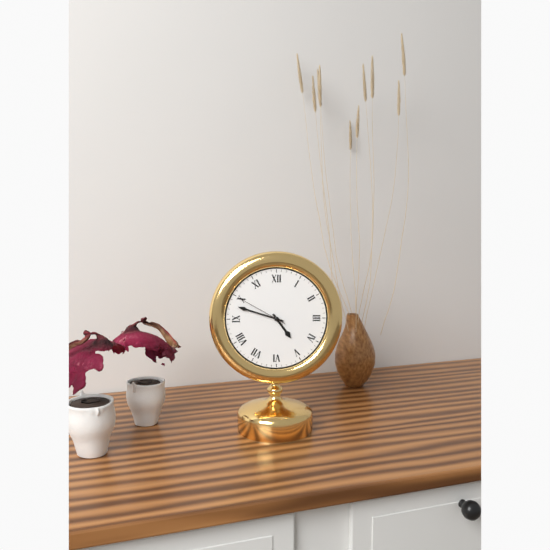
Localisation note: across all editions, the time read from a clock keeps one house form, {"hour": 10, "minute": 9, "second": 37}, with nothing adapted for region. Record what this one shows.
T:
{"hour": 4, "minute": 48, "second": 50}
